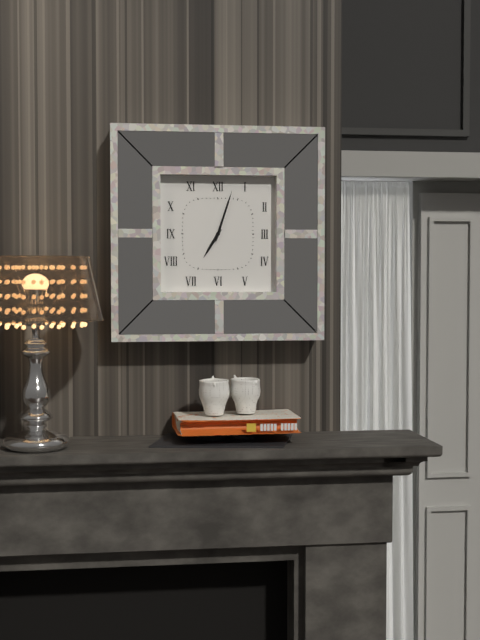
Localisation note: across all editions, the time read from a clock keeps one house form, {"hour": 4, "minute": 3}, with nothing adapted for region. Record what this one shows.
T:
{"hour": 7, "minute": 3}
